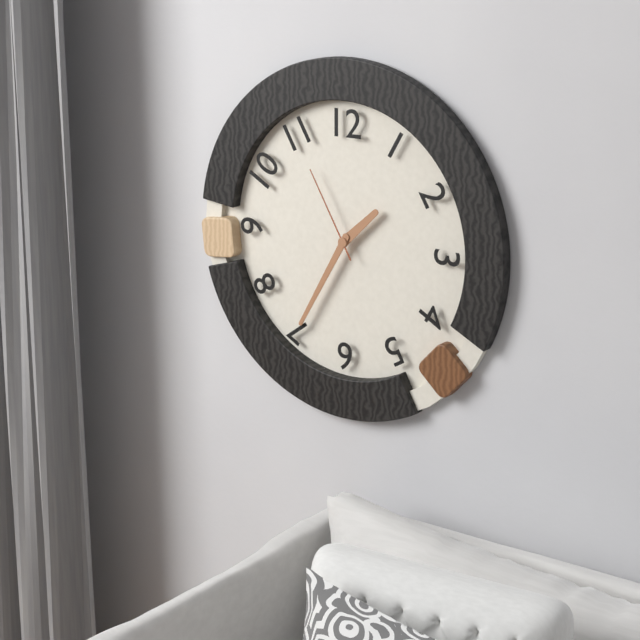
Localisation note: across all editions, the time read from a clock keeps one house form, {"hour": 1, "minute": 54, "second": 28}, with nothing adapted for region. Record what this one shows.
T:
{"hour": 1, "minute": 35, "second": 55}
